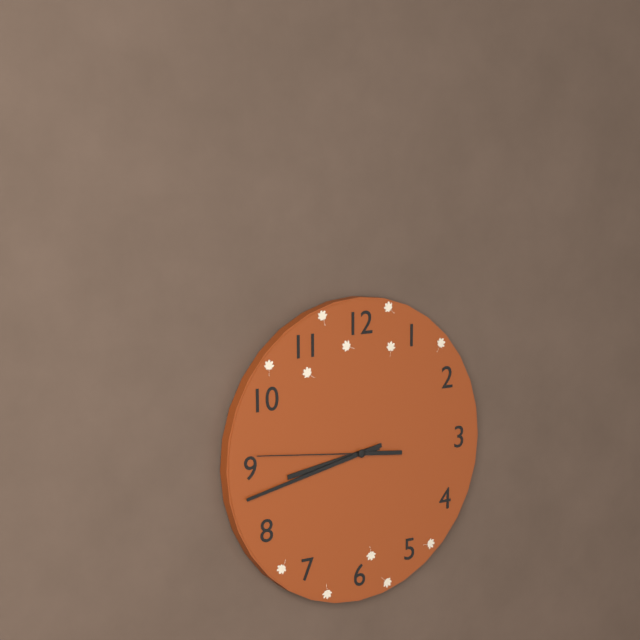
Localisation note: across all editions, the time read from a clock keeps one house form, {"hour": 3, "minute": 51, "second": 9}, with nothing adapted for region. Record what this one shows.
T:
{"hour": 8, "minute": 43, "second": 46}
